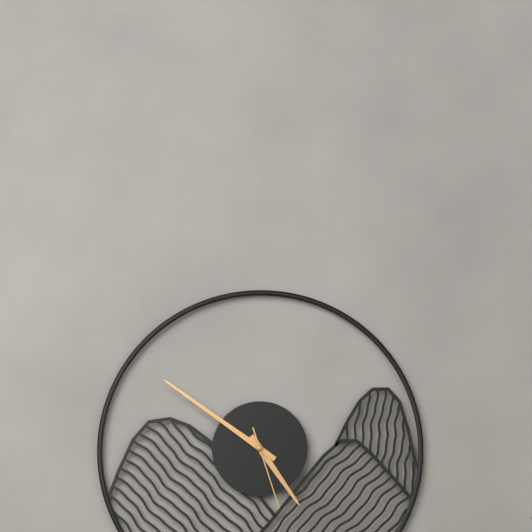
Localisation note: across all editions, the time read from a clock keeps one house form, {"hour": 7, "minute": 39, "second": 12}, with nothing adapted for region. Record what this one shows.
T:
{"hour": 4, "minute": 51, "second": 27}
